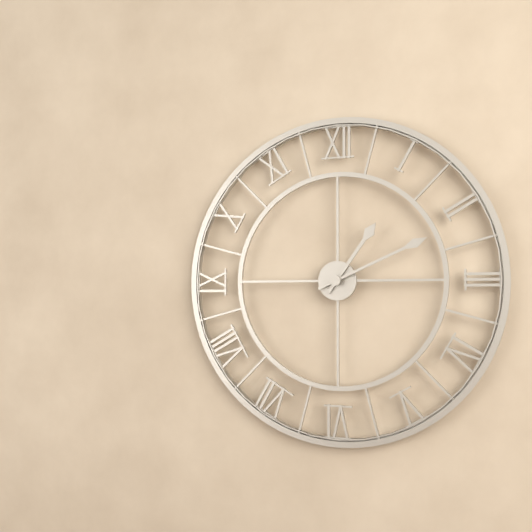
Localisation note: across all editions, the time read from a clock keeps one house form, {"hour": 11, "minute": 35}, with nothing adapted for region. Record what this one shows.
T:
{"hour": 1, "minute": 11}
